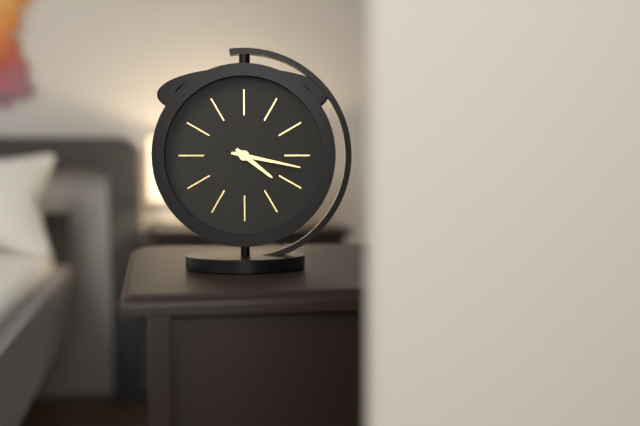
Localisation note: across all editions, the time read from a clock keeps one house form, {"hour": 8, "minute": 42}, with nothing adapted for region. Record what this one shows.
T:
{"hour": 4, "minute": 17}
